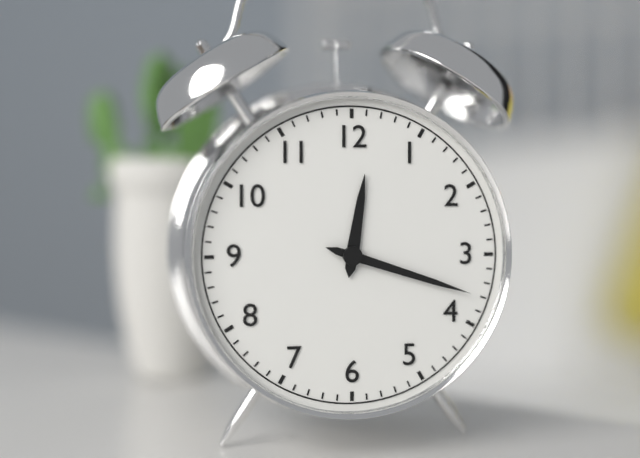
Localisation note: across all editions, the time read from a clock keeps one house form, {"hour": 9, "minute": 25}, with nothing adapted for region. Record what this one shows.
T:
{"hour": 12, "minute": 18}
